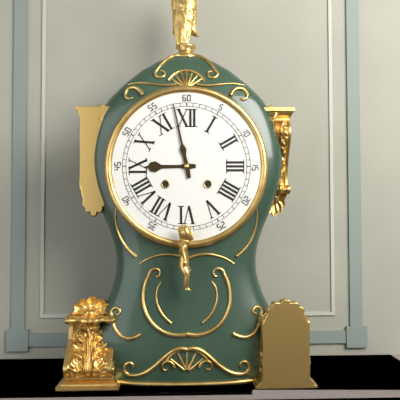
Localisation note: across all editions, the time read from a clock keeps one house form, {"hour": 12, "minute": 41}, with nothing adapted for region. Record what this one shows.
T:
{"hour": 8, "minute": 58}
